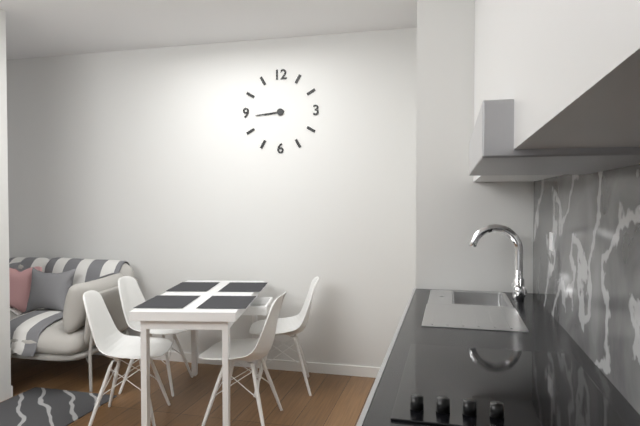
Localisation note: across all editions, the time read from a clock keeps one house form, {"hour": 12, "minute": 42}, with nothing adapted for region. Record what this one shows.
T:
{"hour": 8, "minute": 44}
